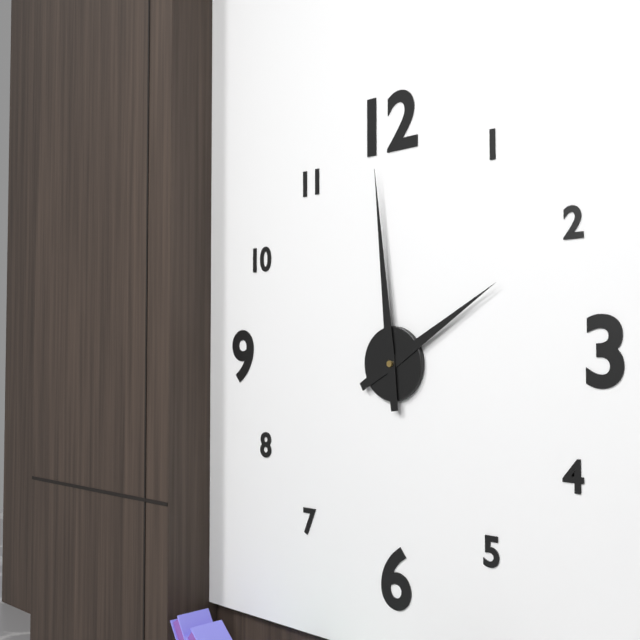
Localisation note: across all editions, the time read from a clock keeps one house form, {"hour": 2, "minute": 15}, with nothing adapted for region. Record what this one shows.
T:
{"hour": 1, "minute": 59}
